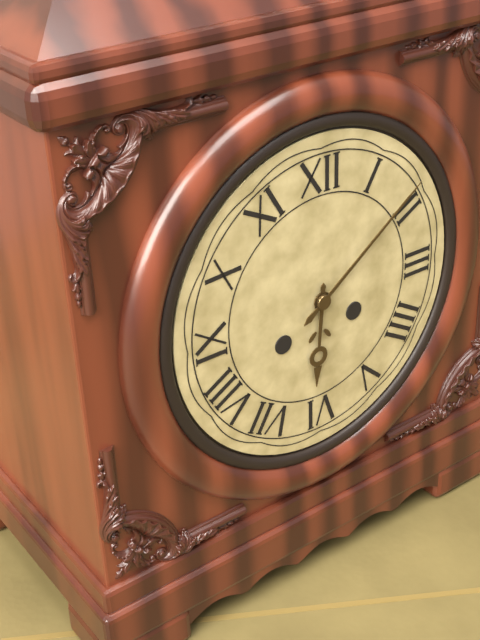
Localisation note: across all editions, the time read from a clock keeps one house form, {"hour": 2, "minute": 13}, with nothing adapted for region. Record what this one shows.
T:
{"hour": 6, "minute": 9}
